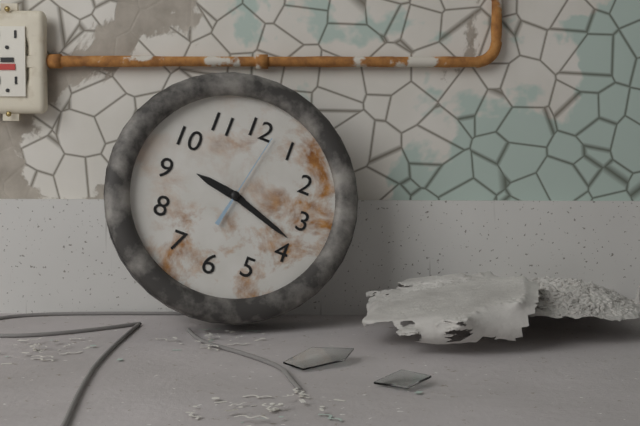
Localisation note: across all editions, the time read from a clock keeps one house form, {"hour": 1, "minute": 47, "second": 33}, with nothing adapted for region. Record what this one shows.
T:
{"hour": 9, "minute": 18, "second": 2}
